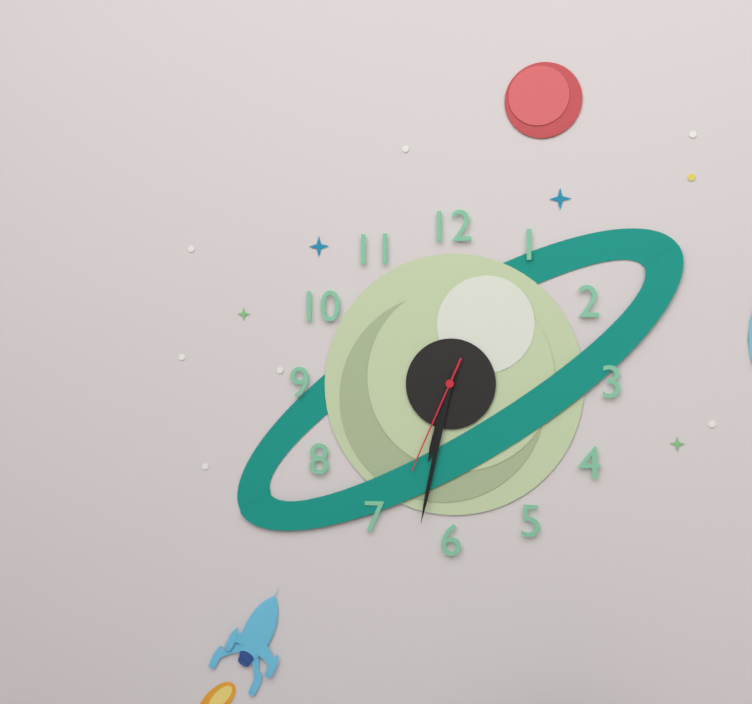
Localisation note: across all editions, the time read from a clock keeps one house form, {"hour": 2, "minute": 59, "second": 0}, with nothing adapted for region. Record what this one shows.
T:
{"hour": 6, "minute": 32, "second": 34}
